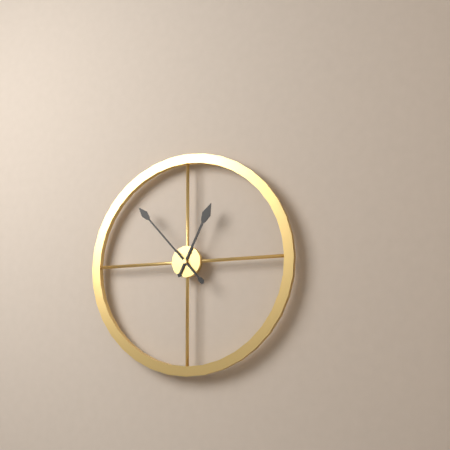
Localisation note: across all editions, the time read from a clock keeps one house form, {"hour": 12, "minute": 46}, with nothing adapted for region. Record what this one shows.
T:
{"hour": 12, "minute": 53}
